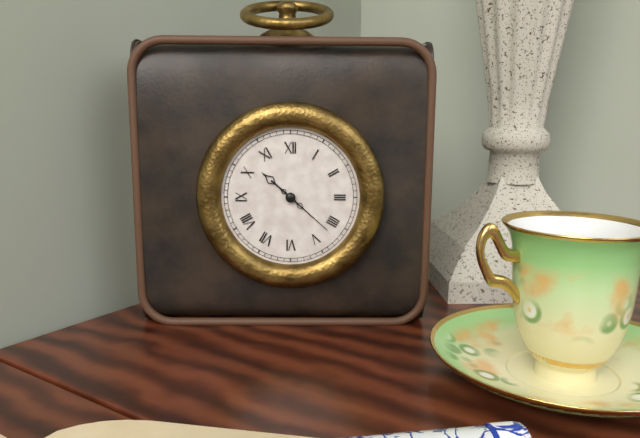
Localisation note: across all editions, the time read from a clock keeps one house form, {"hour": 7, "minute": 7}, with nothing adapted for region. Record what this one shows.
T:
{"hour": 10, "minute": 22}
